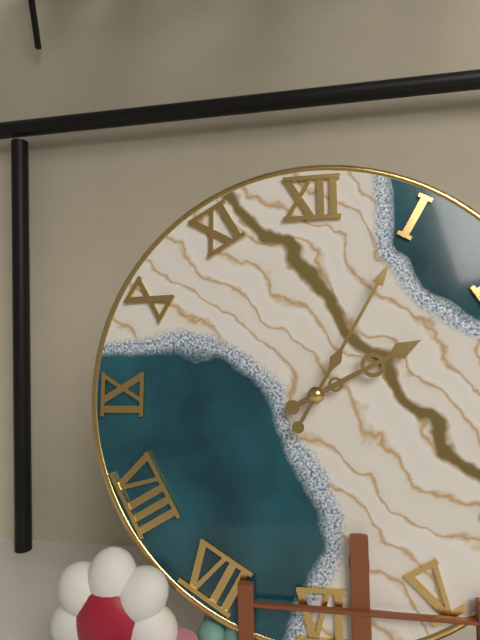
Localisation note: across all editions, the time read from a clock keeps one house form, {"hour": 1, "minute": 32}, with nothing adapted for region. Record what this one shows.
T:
{"hour": 2, "minute": 5}
